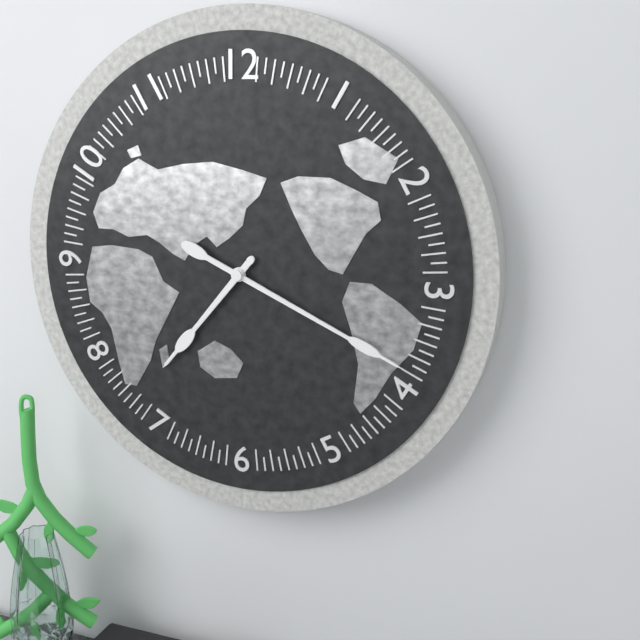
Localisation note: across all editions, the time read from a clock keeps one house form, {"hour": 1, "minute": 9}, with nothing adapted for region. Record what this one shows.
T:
{"hour": 7, "minute": 19}
